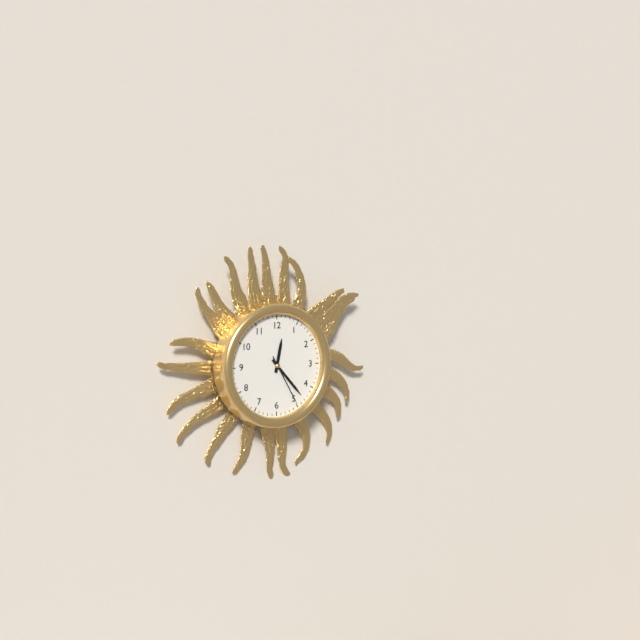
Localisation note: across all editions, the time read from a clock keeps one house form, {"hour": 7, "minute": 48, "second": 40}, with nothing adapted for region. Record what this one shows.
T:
{"hour": 12, "minute": 23, "second": 25}
